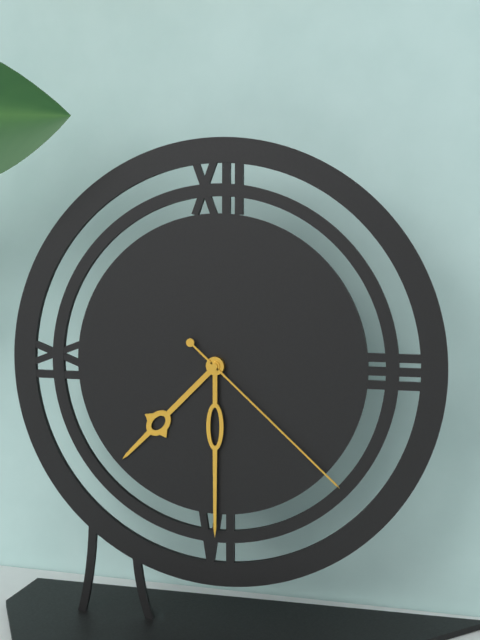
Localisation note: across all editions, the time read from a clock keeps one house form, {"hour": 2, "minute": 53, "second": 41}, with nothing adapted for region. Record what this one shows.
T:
{"hour": 7, "minute": 30, "second": 22}
